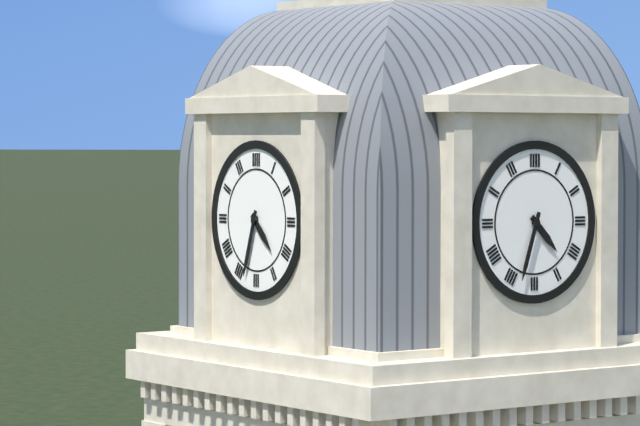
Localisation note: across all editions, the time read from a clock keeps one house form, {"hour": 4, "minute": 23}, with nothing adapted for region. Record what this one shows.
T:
{"hour": 4, "minute": 33}
